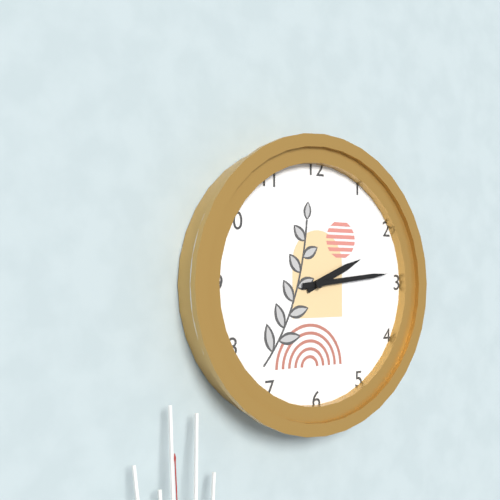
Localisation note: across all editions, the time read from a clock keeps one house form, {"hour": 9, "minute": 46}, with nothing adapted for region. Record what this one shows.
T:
{"hour": 2, "minute": 14}
